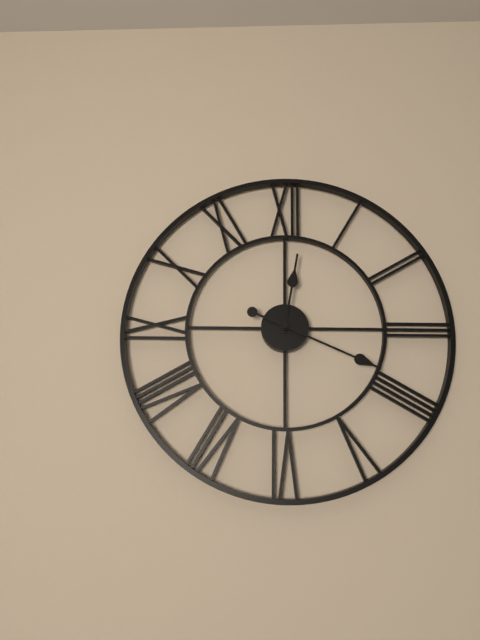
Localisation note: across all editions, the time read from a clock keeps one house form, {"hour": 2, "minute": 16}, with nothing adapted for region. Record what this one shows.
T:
{"hour": 12, "minute": 19}
